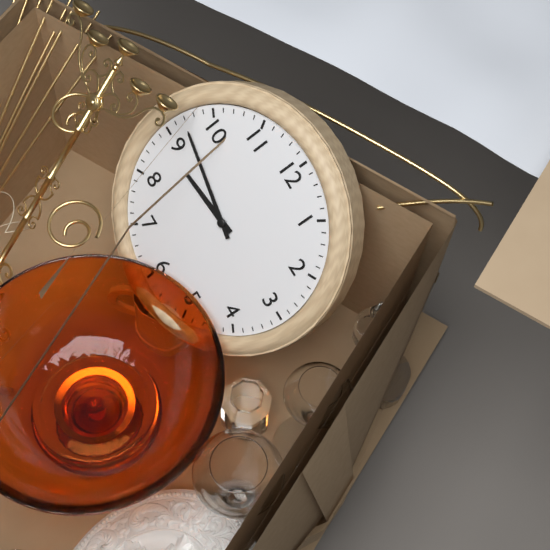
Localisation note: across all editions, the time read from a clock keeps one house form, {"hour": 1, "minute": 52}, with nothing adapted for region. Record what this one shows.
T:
{"hour": 8, "minute": 47}
